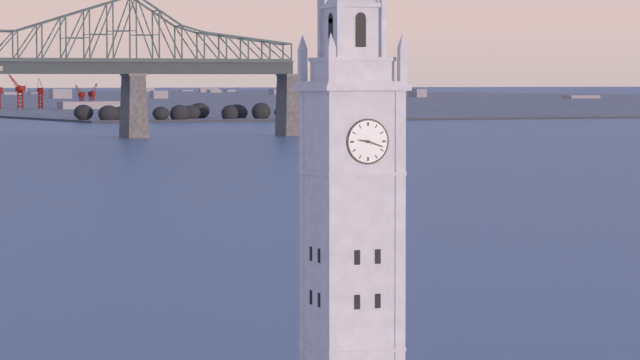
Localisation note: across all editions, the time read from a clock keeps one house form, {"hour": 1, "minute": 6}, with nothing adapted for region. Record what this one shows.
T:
{"hour": 9, "minute": 18}
